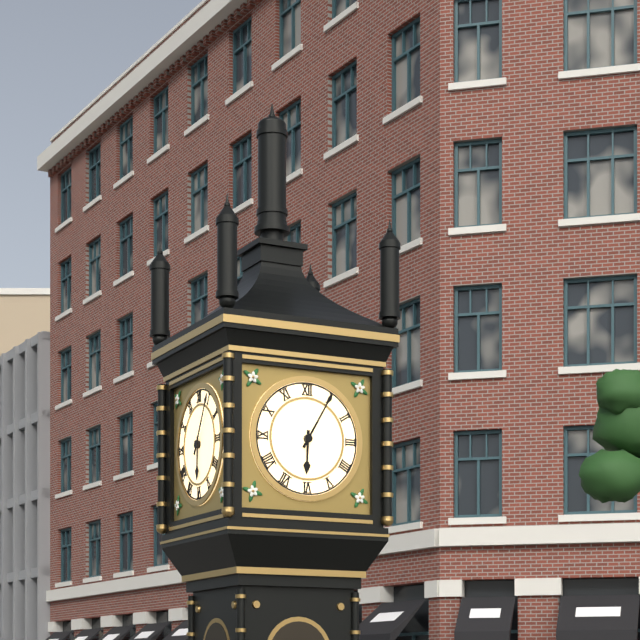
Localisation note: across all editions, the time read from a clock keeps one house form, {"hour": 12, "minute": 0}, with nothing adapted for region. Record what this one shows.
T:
{"hour": 6, "minute": 5}
